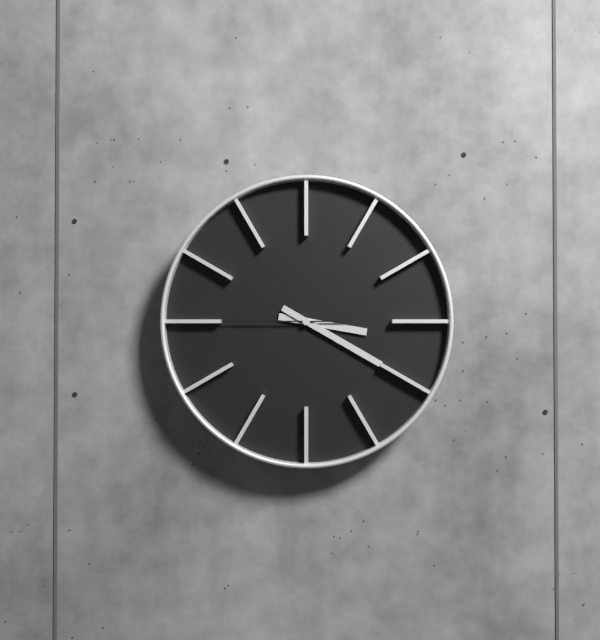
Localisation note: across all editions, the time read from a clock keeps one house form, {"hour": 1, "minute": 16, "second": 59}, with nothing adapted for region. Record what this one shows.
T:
{"hour": 3, "minute": 20, "second": 45}
